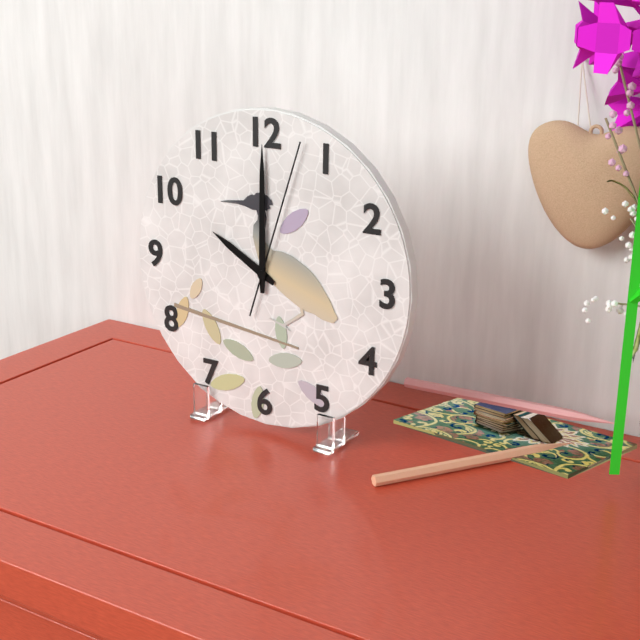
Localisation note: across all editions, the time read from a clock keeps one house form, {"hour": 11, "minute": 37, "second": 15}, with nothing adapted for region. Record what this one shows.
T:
{"hour": 10, "minute": 0, "second": 3}
